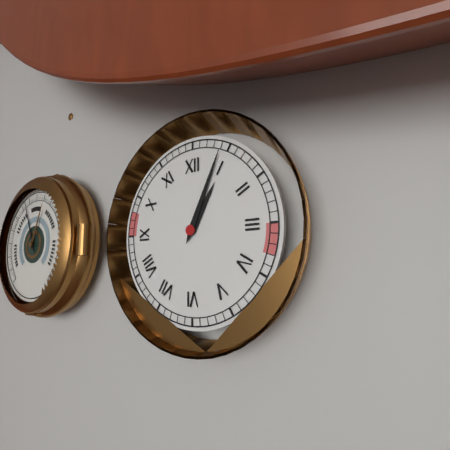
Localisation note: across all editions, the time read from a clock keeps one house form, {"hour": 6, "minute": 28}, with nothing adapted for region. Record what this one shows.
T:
{"hour": 1, "minute": 4}
